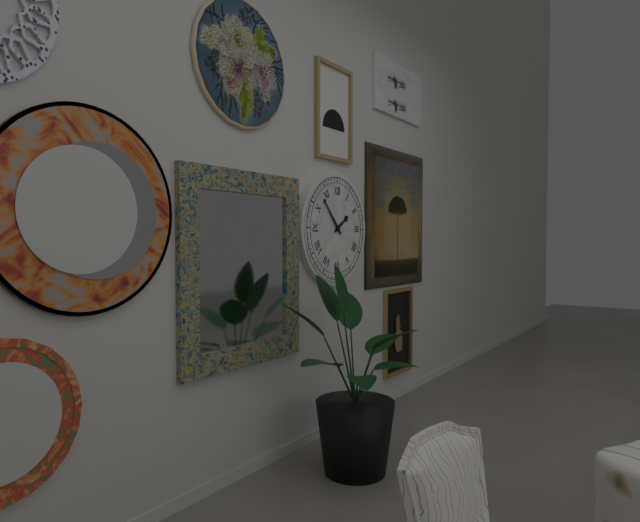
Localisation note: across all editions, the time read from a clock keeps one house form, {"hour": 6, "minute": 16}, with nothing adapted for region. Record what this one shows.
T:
{"hour": 1, "minute": 53}
